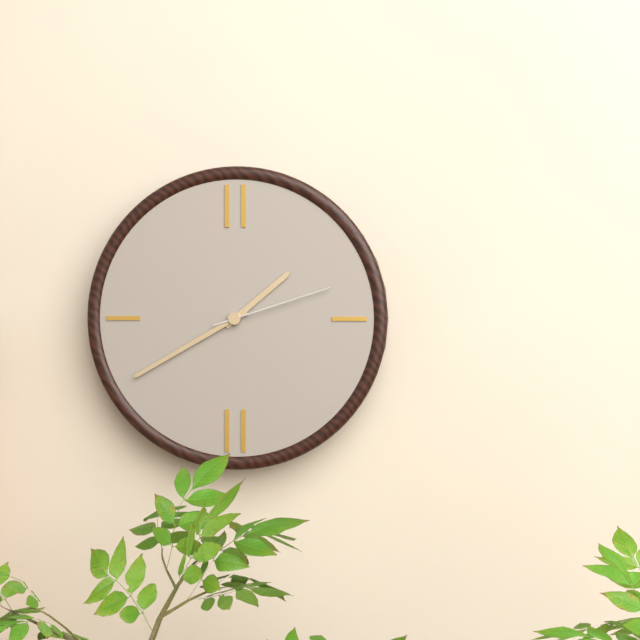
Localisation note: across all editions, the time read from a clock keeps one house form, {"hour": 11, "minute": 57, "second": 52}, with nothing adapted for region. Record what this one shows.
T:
{"hour": 1, "minute": 40, "second": 12}
